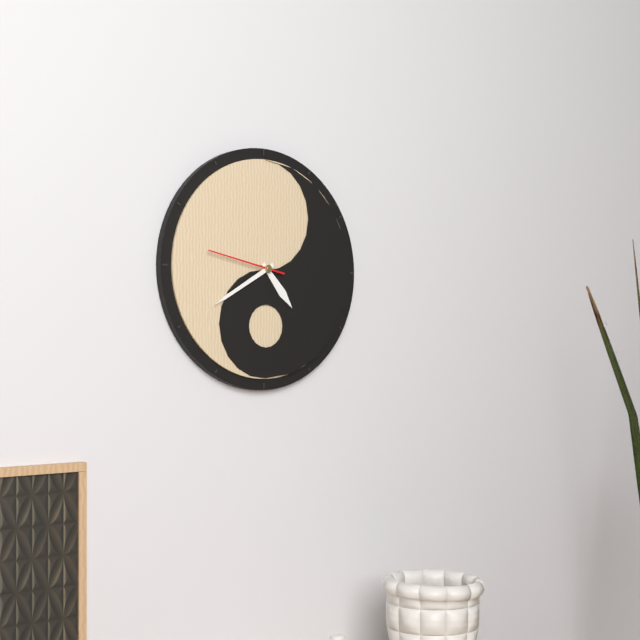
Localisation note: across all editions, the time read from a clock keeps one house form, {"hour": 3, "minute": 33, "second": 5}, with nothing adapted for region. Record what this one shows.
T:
{"hour": 4, "minute": 40, "second": 47}
